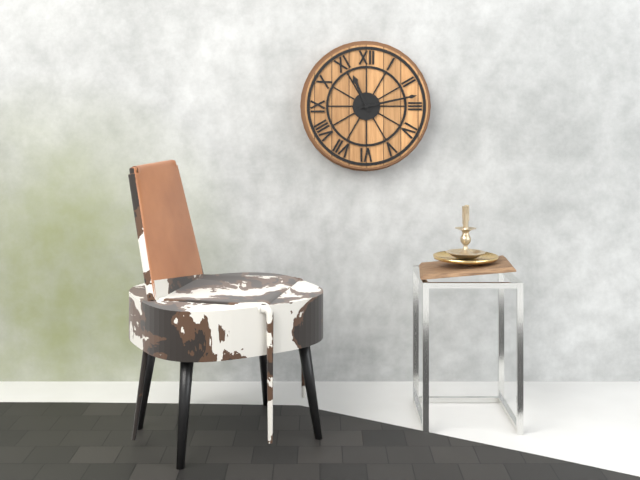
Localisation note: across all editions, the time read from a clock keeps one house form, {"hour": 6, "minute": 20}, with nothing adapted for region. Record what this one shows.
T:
{"hour": 11, "minute": 13}
